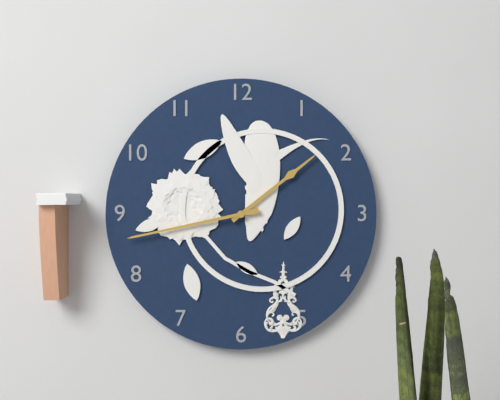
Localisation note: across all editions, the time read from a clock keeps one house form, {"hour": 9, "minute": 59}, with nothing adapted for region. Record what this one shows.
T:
{"hour": 1, "minute": 43}
